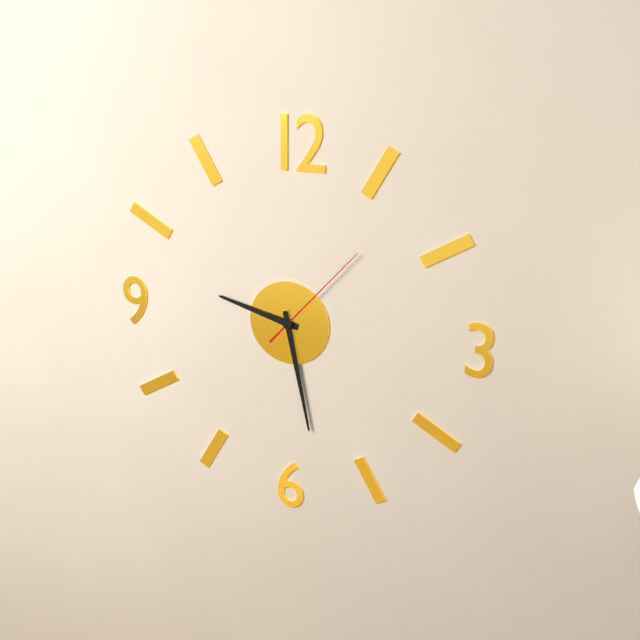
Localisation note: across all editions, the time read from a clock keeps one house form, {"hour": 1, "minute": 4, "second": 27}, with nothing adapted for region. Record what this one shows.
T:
{"hour": 9, "minute": 28, "second": 7}
